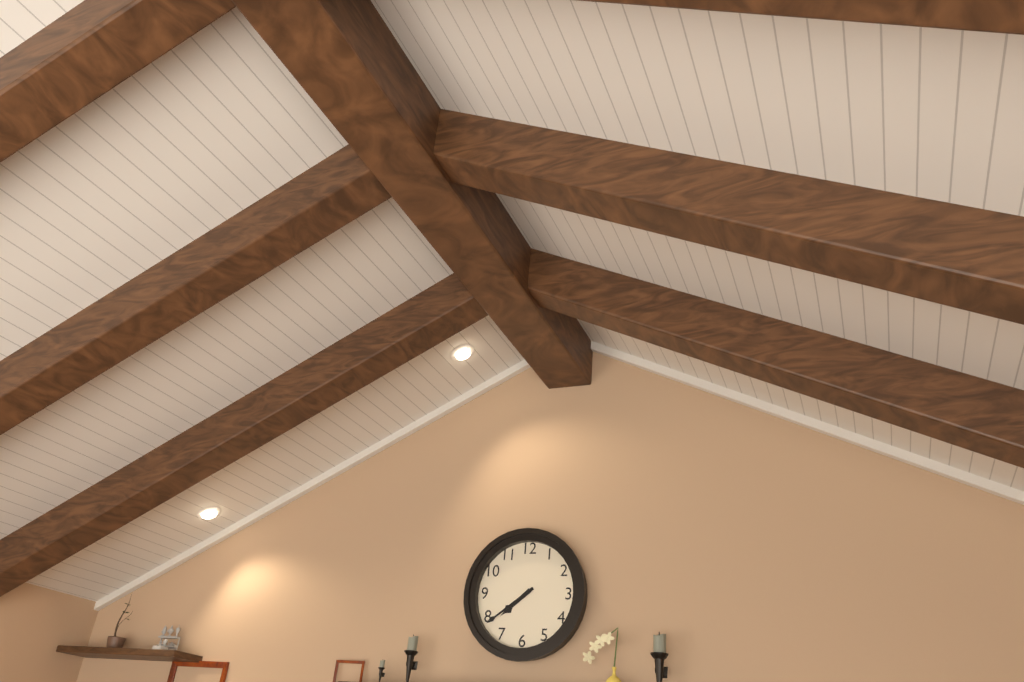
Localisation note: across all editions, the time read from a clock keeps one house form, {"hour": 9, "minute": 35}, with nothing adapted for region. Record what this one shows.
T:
{"hour": 7, "minute": 39}
